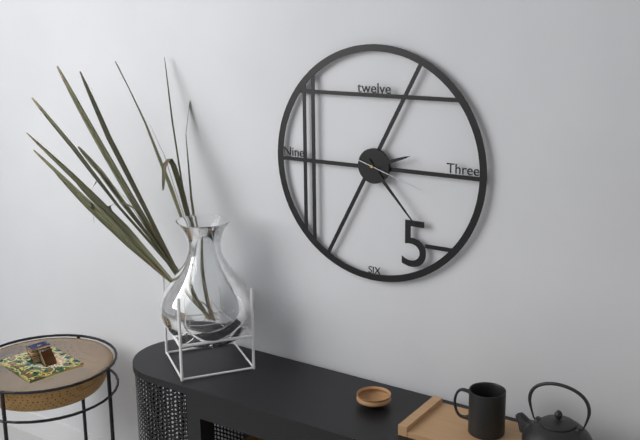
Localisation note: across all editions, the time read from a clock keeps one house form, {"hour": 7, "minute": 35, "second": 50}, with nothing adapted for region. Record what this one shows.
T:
{"hour": 2, "minute": 23, "second": 18}
